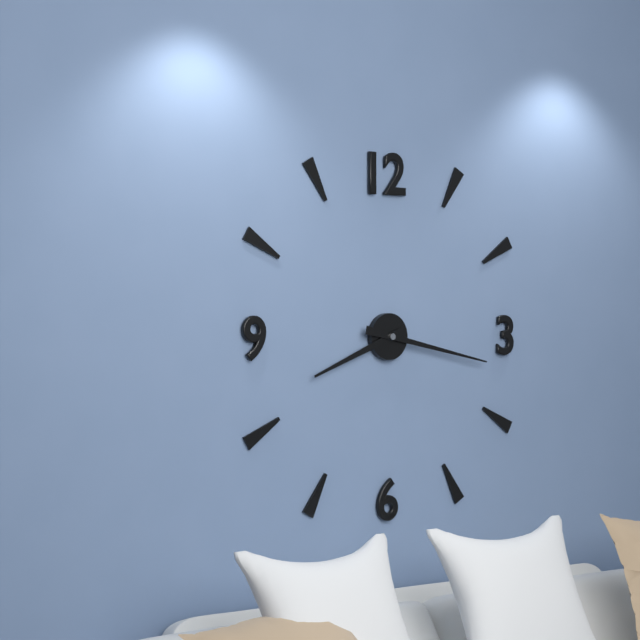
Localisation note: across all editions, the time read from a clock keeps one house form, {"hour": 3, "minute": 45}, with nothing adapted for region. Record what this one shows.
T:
{"hour": 8, "minute": 17}
